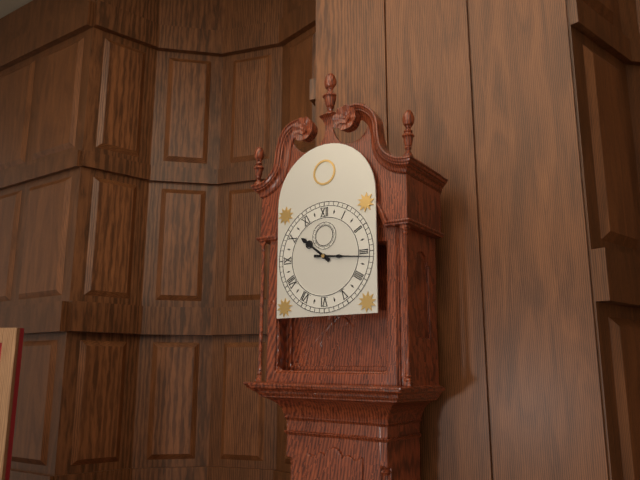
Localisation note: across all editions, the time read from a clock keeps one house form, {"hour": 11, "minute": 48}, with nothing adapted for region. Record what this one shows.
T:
{"hour": 10, "minute": 16}
